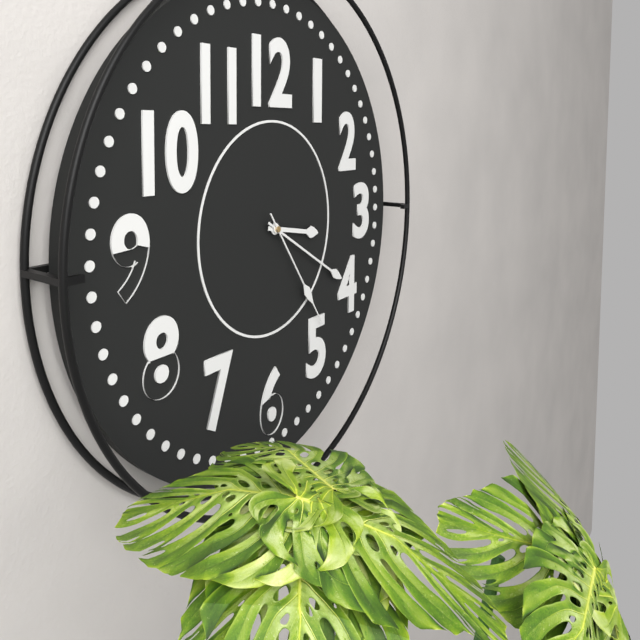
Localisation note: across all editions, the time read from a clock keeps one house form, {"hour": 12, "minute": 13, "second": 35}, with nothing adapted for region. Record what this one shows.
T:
{"hour": 3, "minute": 20, "second": 24}
